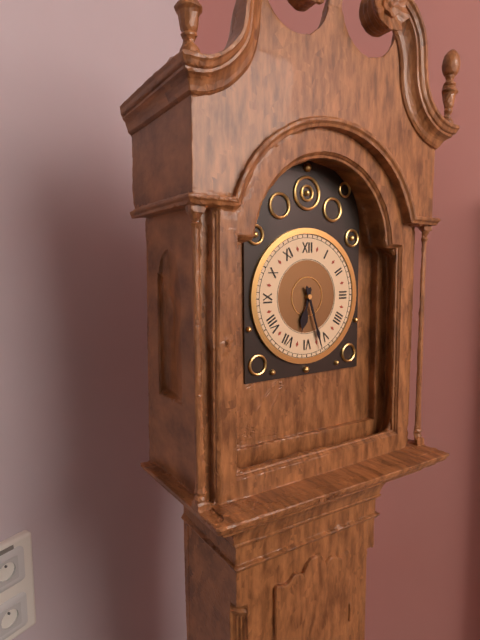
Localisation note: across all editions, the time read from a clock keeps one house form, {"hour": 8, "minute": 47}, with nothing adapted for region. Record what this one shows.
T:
{"hour": 6, "minute": 27}
